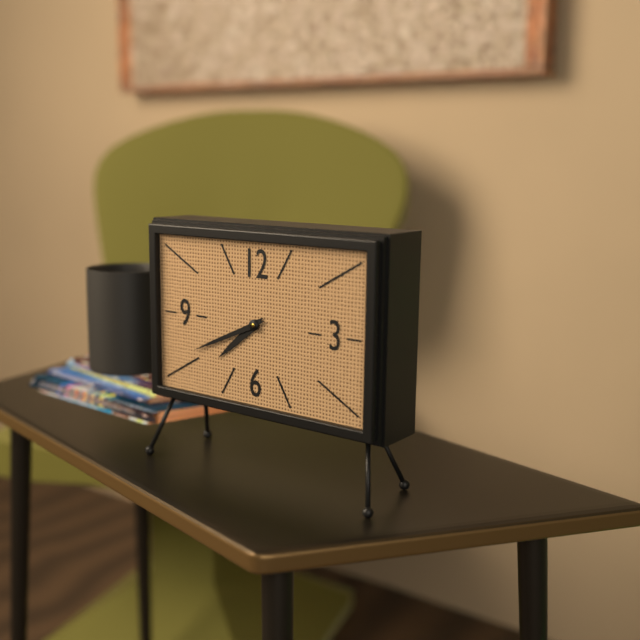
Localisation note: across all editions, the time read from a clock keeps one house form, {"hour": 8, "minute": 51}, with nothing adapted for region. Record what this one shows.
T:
{"hour": 7, "minute": 41}
